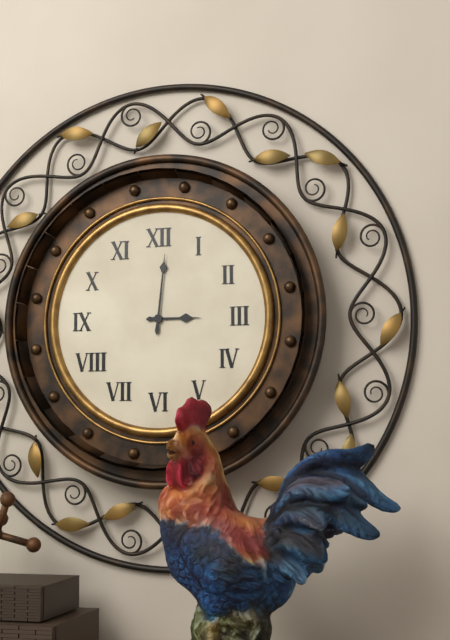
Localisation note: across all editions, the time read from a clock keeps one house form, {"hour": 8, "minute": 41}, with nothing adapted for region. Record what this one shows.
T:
{"hour": 3, "minute": 1}
